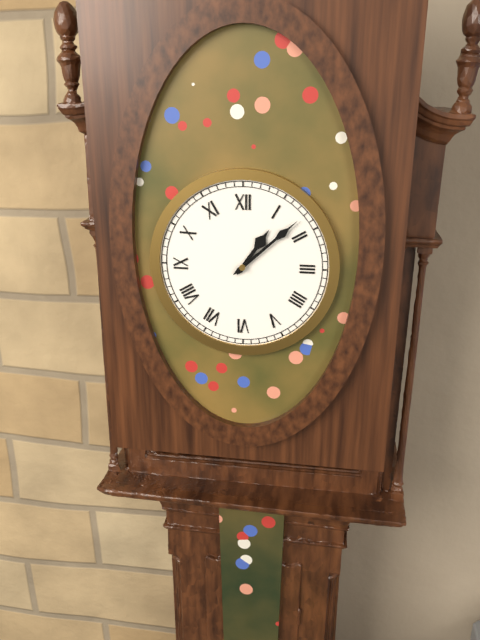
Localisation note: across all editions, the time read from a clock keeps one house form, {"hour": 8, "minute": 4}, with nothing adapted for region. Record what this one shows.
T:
{"hour": 1, "minute": 8}
